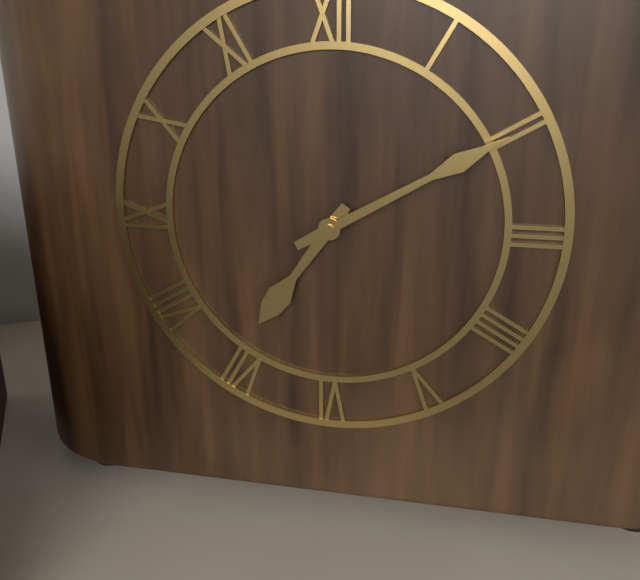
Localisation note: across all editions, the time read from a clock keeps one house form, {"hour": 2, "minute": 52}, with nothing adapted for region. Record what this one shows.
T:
{"hour": 7, "minute": 10}
